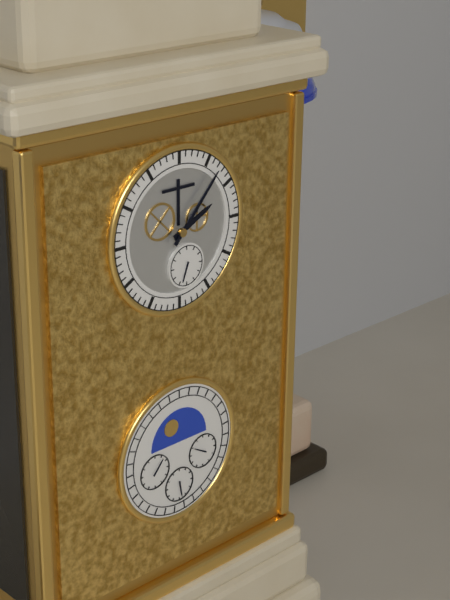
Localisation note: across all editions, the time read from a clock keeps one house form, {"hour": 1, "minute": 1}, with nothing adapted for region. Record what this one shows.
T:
{"hour": 2, "minute": 7}
